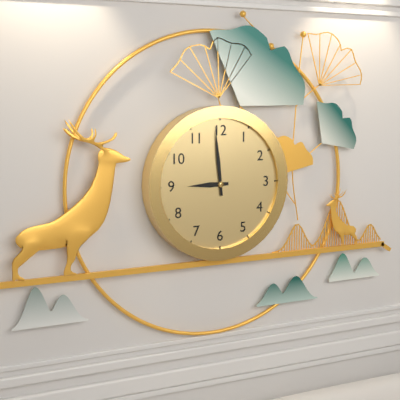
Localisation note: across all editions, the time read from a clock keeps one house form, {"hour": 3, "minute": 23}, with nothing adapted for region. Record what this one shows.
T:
{"hour": 8, "minute": 59}
